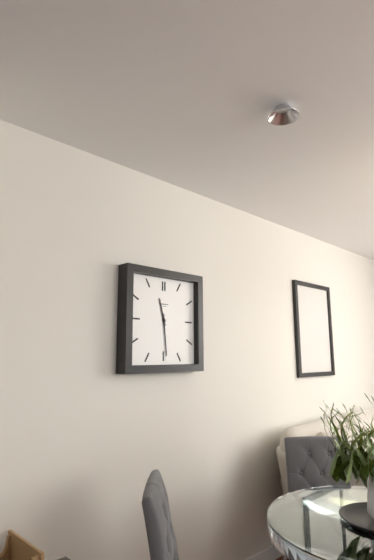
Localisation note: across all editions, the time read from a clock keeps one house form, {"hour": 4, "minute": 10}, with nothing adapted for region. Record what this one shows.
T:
{"hour": 11, "minute": 29}
